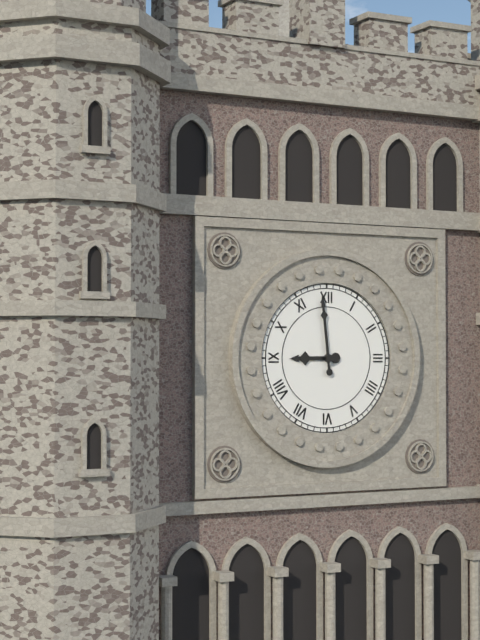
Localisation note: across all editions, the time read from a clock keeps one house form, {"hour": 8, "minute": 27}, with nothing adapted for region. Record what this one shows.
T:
{"hour": 8, "minute": 59}
